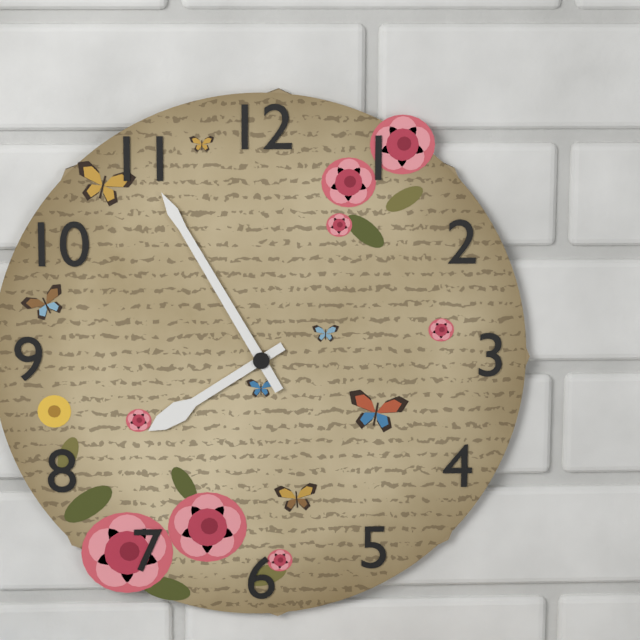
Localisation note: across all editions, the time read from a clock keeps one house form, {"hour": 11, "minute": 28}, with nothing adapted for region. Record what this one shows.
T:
{"hour": 7, "minute": 55}
